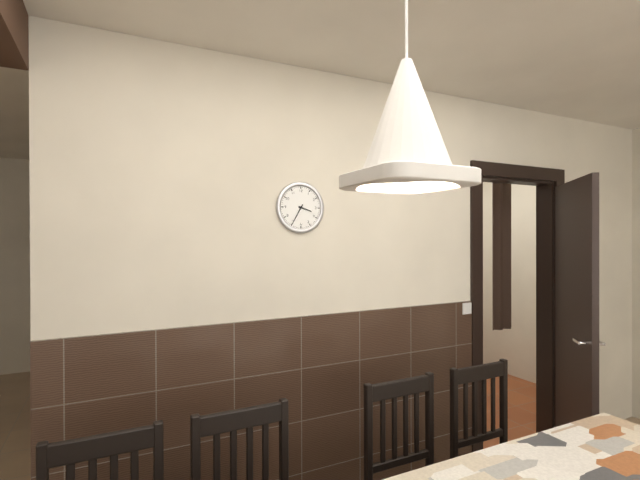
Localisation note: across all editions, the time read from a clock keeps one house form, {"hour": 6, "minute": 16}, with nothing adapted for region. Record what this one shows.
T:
{"hour": 3, "minute": 35}
